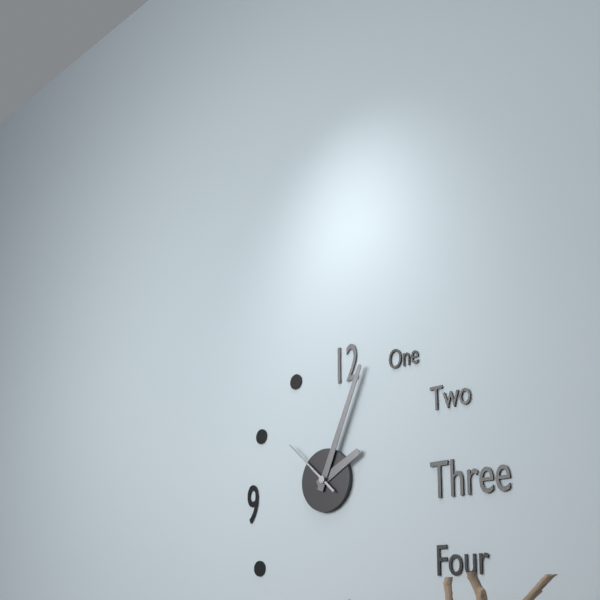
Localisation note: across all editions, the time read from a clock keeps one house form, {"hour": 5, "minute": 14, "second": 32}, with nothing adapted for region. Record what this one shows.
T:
{"hour": 2, "minute": 4, "second": 52}
